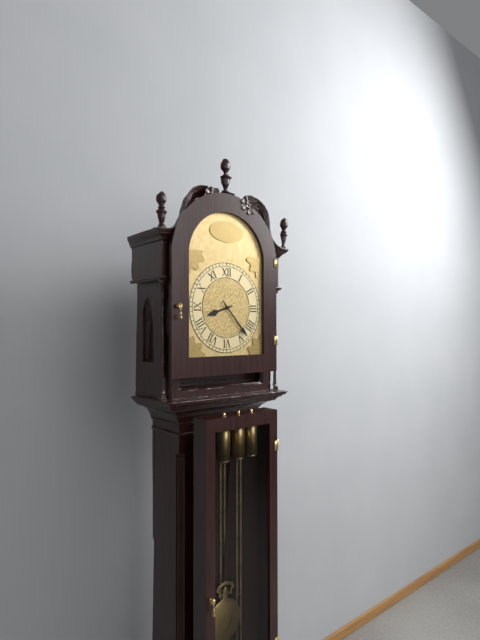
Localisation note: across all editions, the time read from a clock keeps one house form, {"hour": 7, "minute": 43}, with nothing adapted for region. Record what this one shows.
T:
{"hour": 8, "minute": 23}
